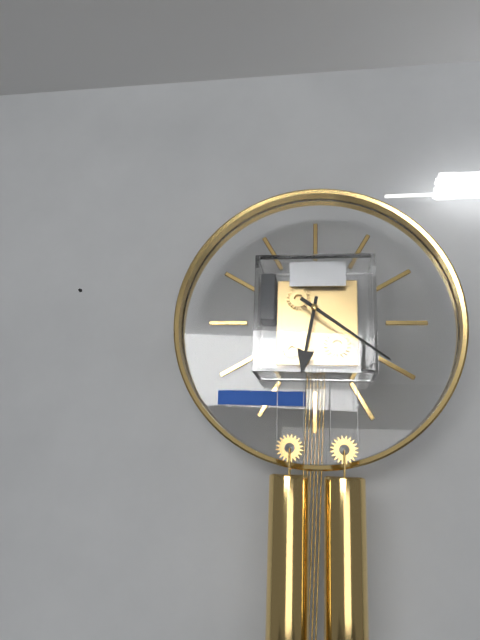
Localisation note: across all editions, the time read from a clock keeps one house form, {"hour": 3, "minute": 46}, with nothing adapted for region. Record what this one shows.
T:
{"hour": 6, "minute": 21}
